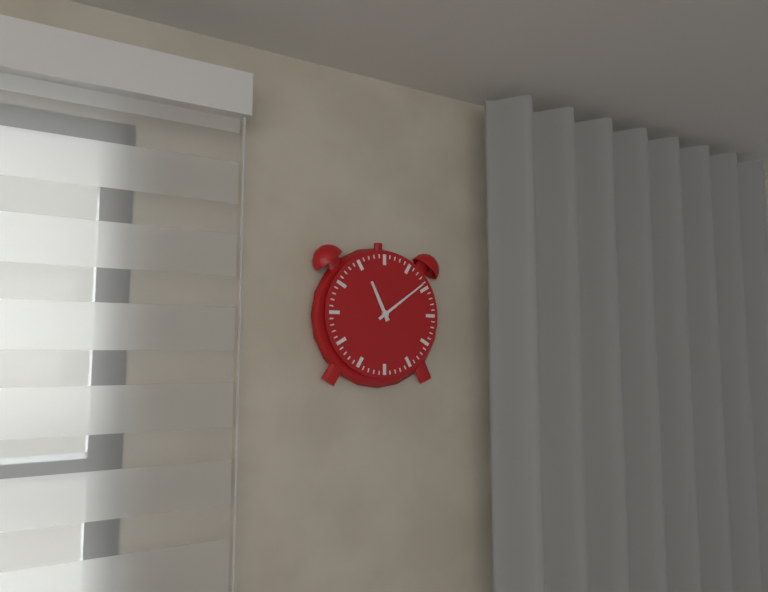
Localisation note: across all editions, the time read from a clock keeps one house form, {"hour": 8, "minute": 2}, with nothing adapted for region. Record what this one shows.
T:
{"hour": 11, "minute": 9}
